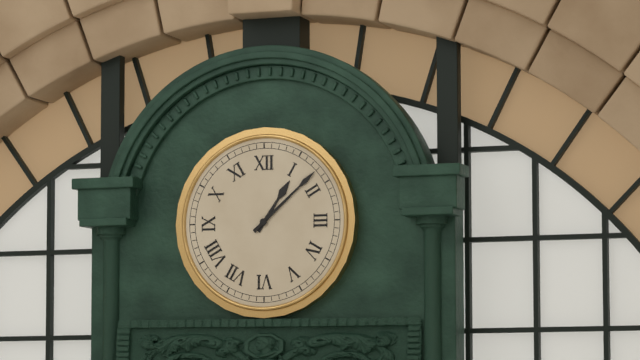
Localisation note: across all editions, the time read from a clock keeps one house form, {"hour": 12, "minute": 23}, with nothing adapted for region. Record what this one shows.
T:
{"hour": 1, "minute": 8}
